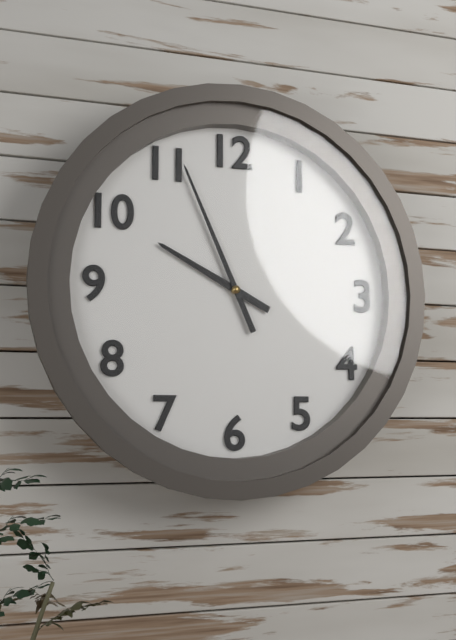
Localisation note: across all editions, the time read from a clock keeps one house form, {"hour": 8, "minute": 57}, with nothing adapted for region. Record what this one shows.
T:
{"hour": 9, "minute": 56}
